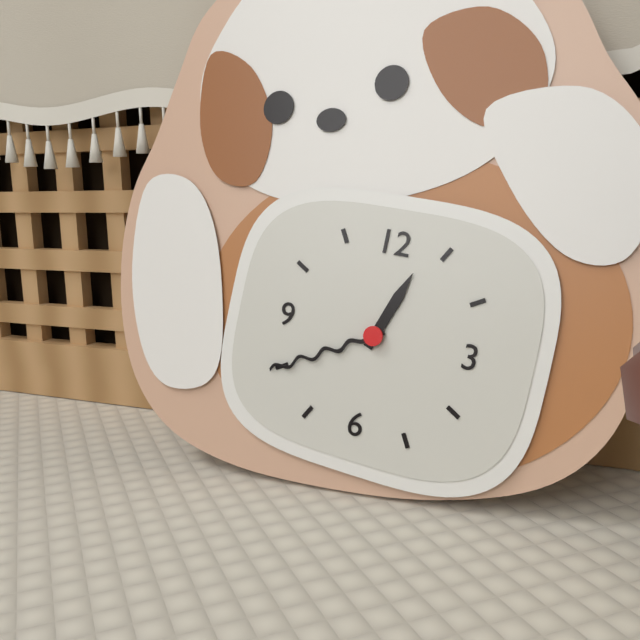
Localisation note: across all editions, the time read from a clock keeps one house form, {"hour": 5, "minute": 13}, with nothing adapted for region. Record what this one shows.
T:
{"hour": 12, "minute": 40}
